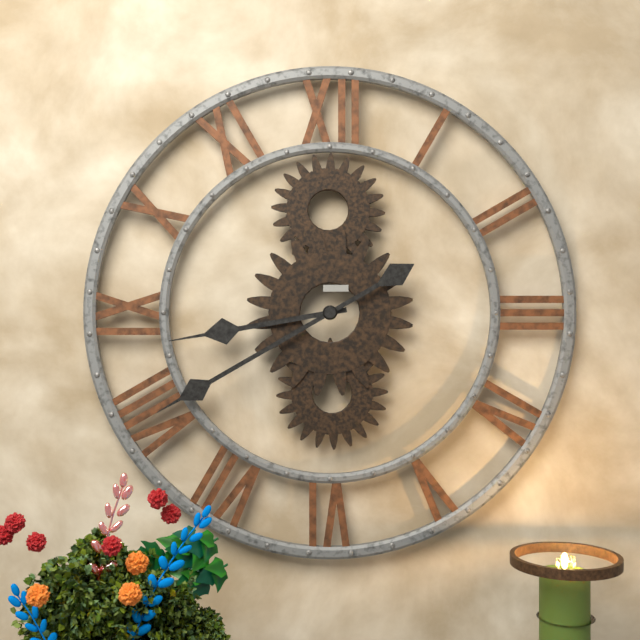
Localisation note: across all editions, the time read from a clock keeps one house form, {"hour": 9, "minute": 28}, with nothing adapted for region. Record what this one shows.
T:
{"hour": 8, "minute": 40}
